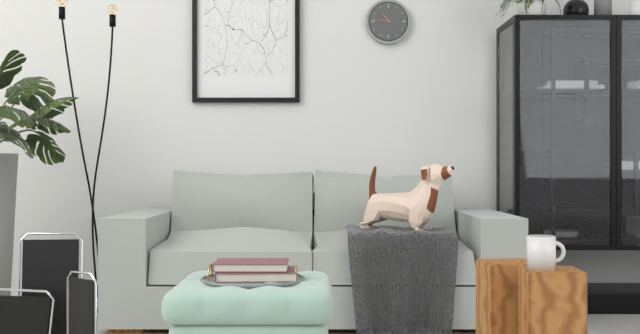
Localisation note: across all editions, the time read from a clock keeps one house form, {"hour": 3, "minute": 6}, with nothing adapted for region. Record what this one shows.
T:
{"hour": 10, "minute": 46}
